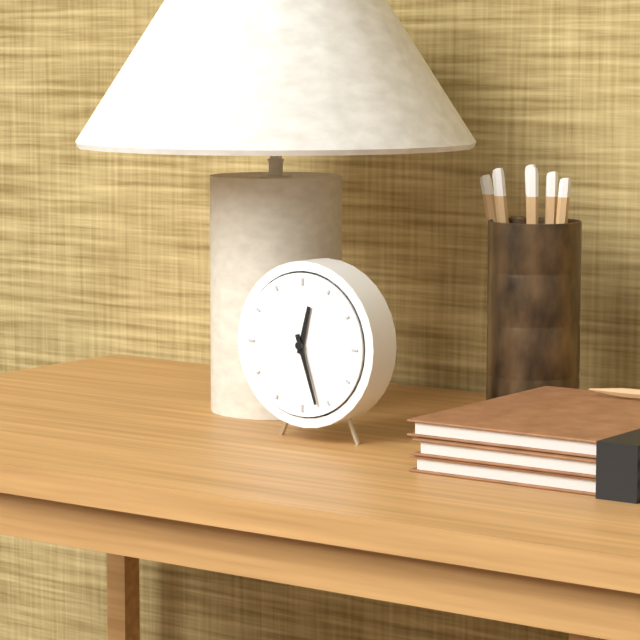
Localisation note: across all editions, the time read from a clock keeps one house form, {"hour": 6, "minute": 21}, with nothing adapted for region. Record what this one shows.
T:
{"hour": 12, "minute": 27}
